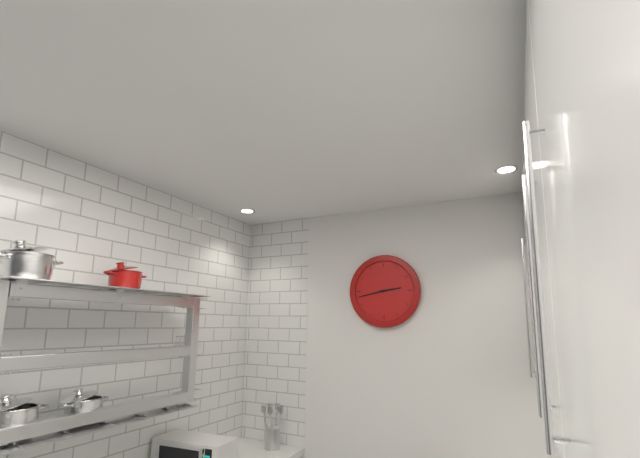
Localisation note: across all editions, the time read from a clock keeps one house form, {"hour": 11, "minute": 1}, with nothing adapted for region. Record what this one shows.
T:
{"hour": 2, "minute": 43}
